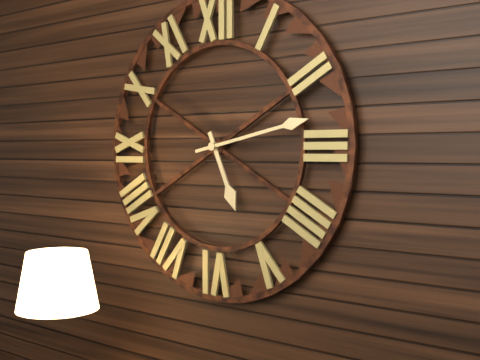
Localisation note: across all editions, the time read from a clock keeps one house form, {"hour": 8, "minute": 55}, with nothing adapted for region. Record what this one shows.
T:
{"hour": 5, "minute": 13}
